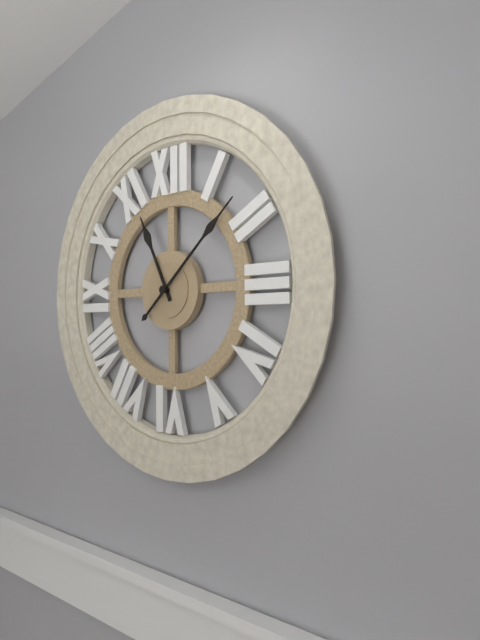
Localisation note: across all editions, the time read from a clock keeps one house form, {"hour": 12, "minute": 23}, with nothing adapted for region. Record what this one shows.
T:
{"hour": 11, "minute": 8}
